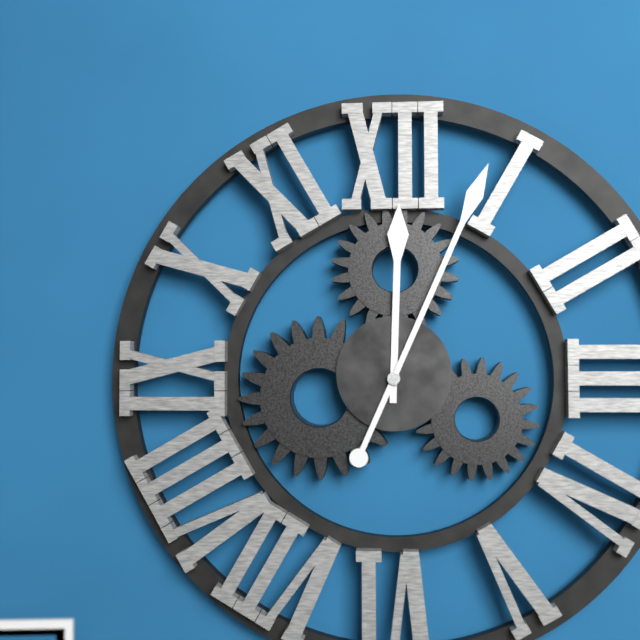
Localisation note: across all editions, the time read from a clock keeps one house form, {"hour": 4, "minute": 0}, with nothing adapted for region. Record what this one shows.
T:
{"hour": 12, "minute": 4}
